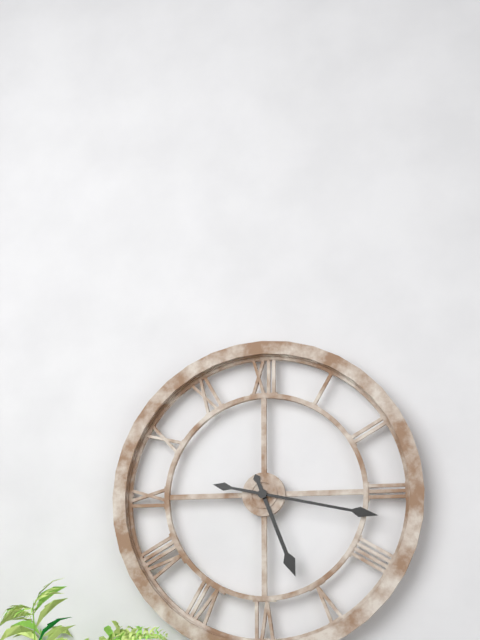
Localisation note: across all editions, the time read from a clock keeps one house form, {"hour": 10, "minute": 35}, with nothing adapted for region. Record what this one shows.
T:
{"hour": 5, "minute": 17}
